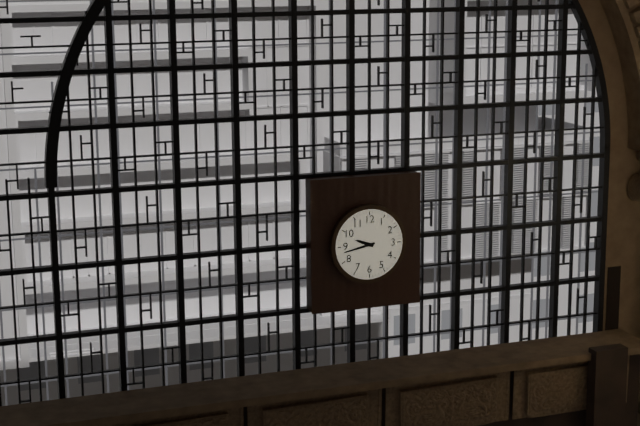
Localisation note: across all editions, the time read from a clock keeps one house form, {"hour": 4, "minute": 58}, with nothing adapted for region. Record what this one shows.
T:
{"hour": 9, "minute": 43}
